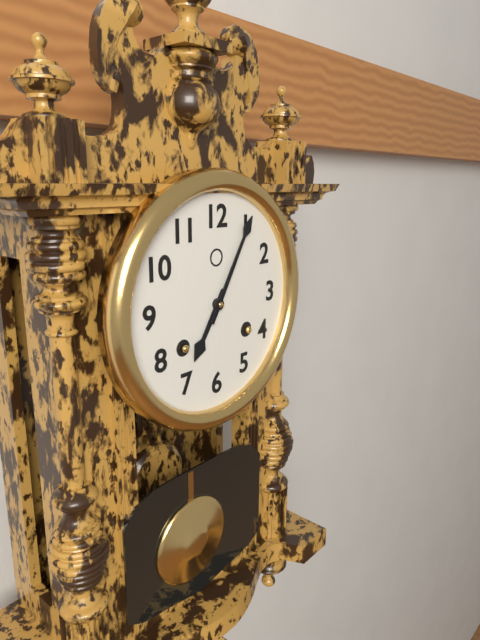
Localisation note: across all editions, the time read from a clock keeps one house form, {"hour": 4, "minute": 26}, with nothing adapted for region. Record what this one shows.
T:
{"hour": 7, "minute": 5}
